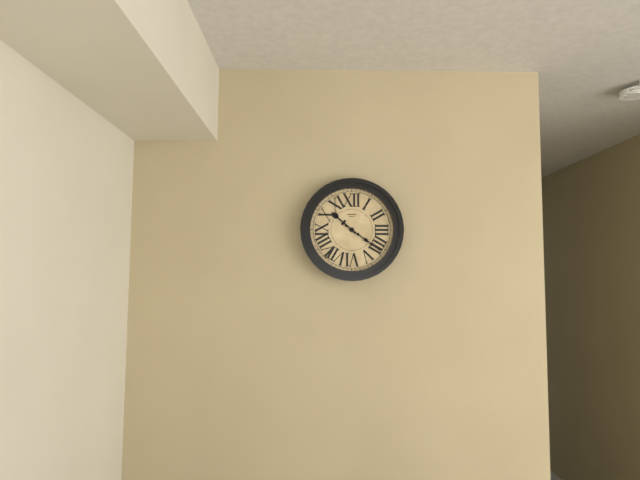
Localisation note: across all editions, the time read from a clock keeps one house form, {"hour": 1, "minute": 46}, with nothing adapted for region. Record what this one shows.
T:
{"hour": 10, "minute": 21}
